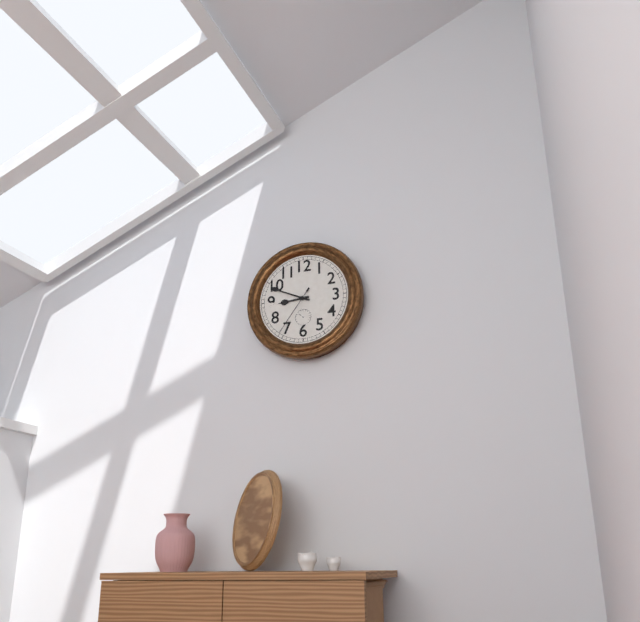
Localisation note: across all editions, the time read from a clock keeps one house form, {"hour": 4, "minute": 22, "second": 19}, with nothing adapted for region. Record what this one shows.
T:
{"hour": 8, "minute": 49, "second": 36}
